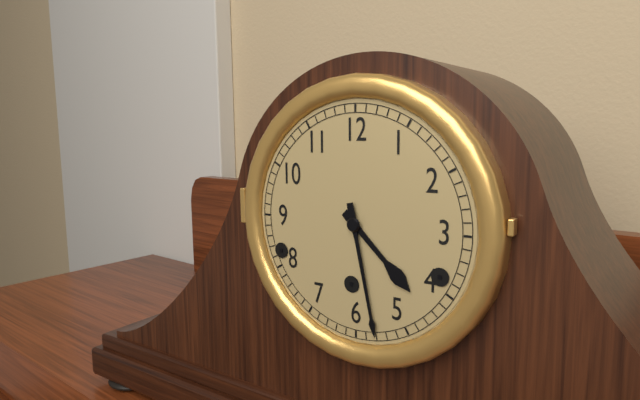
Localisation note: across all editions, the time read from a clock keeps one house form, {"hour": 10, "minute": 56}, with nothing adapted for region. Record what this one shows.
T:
{"hour": 4, "minute": 28}
